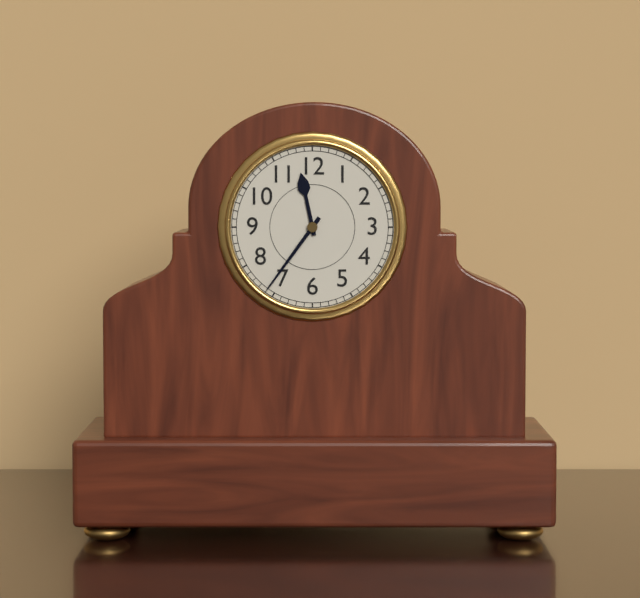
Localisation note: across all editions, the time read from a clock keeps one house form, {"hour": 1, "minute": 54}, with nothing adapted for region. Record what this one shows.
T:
{"hour": 11, "minute": 36}
